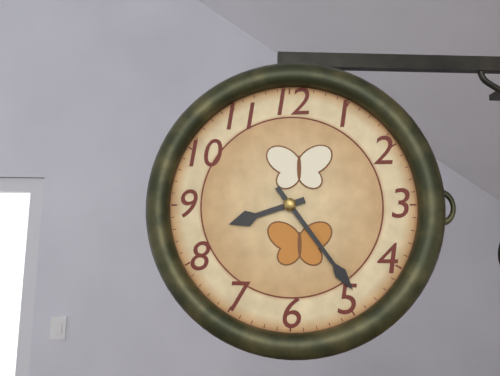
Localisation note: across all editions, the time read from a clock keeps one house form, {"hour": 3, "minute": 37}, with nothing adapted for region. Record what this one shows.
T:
{"hour": 8, "minute": 24}
